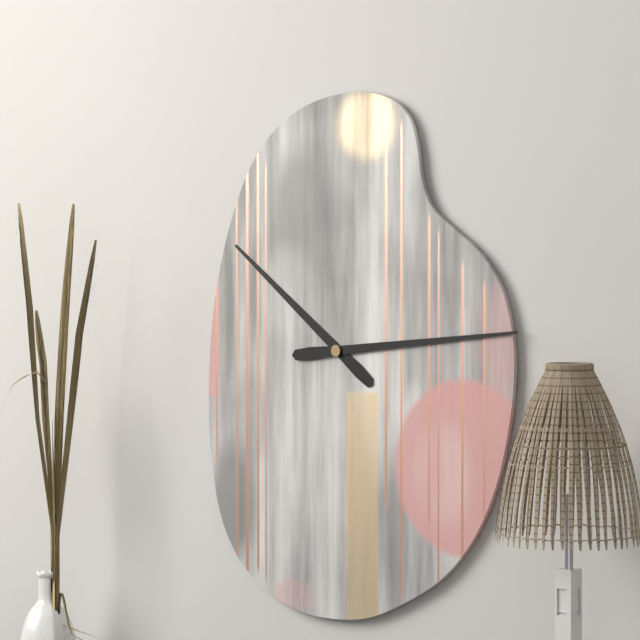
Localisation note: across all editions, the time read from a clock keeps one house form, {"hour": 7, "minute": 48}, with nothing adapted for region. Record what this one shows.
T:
{"hour": 10, "minute": 14}
